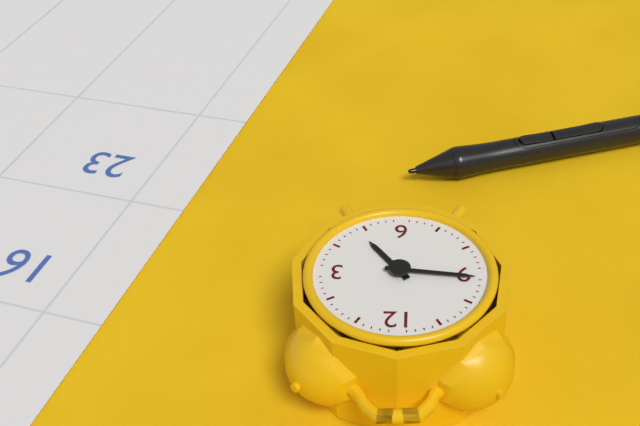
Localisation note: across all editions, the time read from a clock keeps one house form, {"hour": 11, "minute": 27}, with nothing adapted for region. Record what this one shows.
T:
{"hour": 4, "minute": 46}
